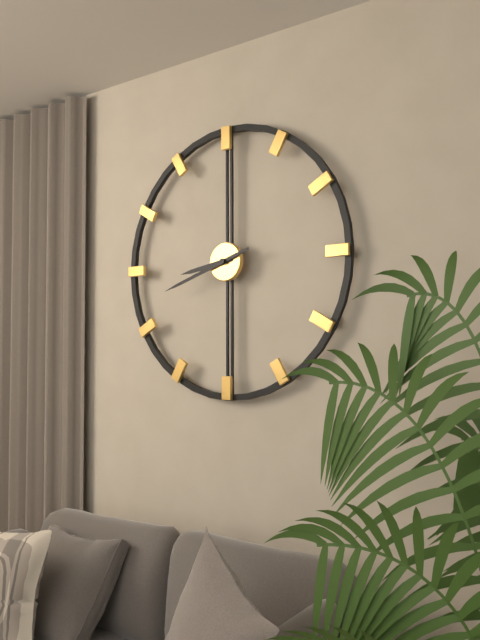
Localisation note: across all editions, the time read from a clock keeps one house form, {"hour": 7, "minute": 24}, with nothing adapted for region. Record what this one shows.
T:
{"hour": 8, "minute": 42}
